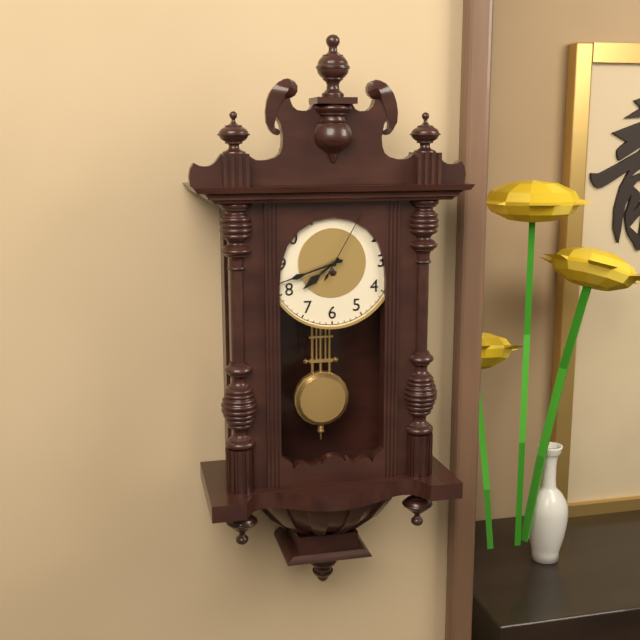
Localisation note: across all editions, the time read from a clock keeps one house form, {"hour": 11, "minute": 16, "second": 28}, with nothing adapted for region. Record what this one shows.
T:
{"hour": 7, "minute": 42, "second": 5}
